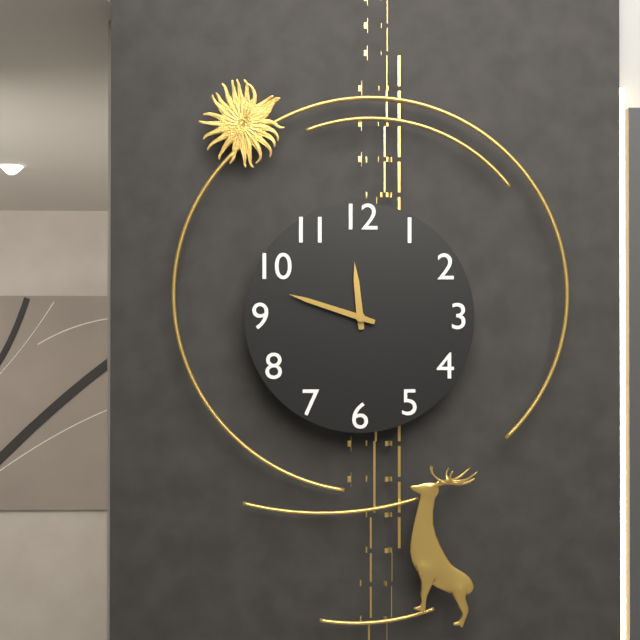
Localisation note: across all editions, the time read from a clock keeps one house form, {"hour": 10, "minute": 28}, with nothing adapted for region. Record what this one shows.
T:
{"hour": 11, "minute": 48}
